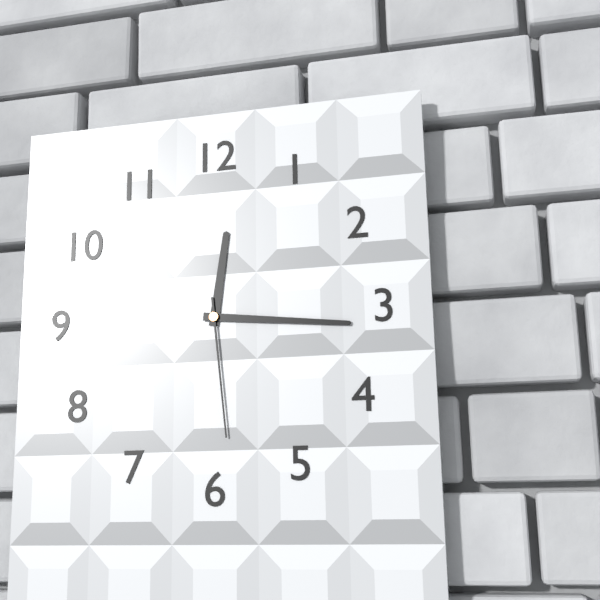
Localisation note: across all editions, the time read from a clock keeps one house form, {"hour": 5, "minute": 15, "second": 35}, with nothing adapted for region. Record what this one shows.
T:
{"hour": 12, "minute": 16, "second": 29}
